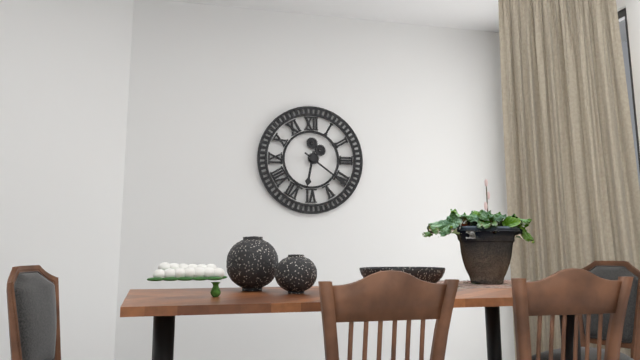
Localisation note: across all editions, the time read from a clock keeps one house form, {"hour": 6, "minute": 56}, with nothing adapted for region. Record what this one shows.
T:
{"hour": 6, "minute": 21}
